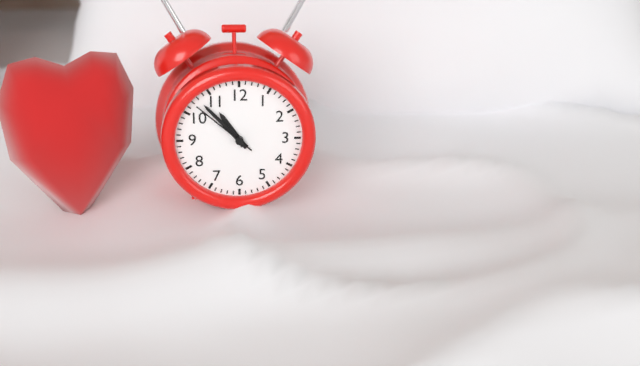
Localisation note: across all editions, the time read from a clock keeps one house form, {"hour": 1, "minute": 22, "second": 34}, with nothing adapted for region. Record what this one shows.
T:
{"hour": 10, "minute": 53, "second": 52}
